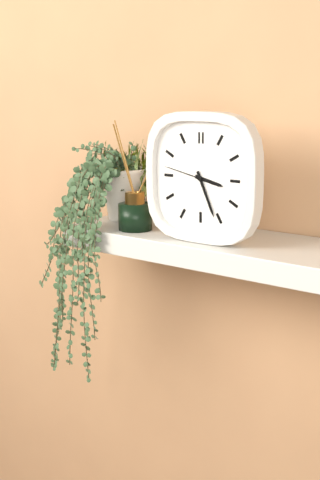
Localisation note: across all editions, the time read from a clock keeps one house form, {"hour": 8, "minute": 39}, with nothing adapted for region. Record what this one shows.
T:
{"hour": 3, "minute": 26}
